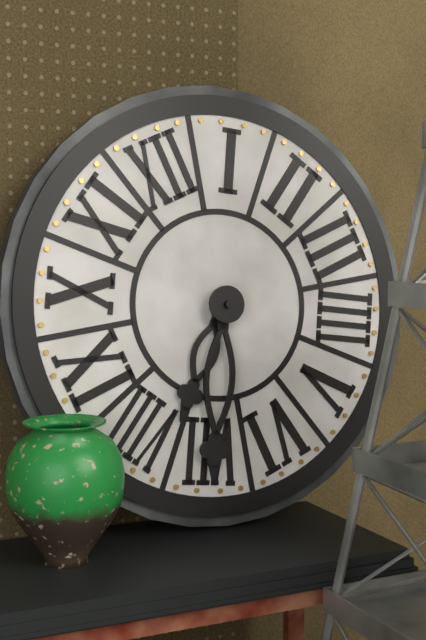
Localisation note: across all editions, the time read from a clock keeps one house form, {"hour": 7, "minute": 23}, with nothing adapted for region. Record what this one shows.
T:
{"hour": 7, "minute": 35}
